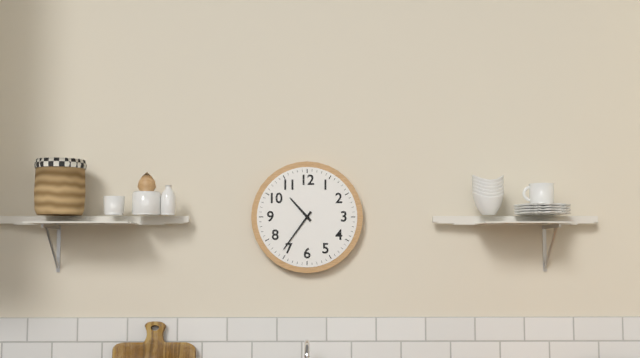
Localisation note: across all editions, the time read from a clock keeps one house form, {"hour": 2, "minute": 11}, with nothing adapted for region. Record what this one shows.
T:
{"hour": 10, "minute": 36}
